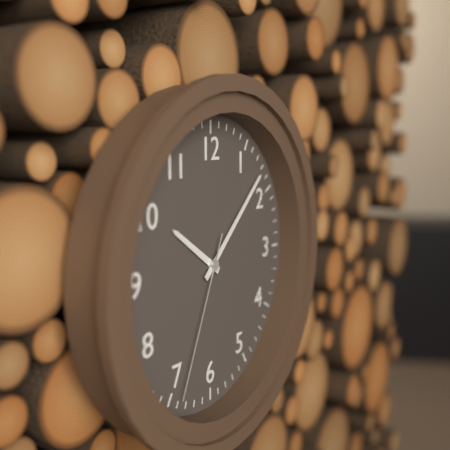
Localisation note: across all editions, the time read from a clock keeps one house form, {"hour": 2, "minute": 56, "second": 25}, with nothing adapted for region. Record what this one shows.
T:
{"hour": 10, "minute": 8, "second": 34}
